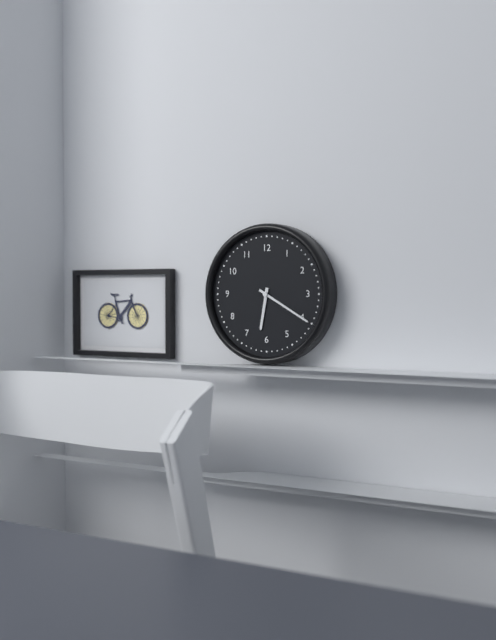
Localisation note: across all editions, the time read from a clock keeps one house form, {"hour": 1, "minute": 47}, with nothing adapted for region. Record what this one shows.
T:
{"hour": 6, "minute": 20}
